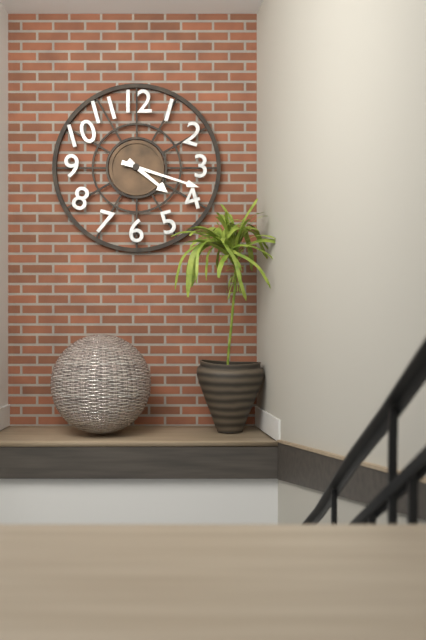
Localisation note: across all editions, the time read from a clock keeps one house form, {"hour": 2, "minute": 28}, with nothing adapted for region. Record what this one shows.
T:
{"hour": 4, "minute": 18}
